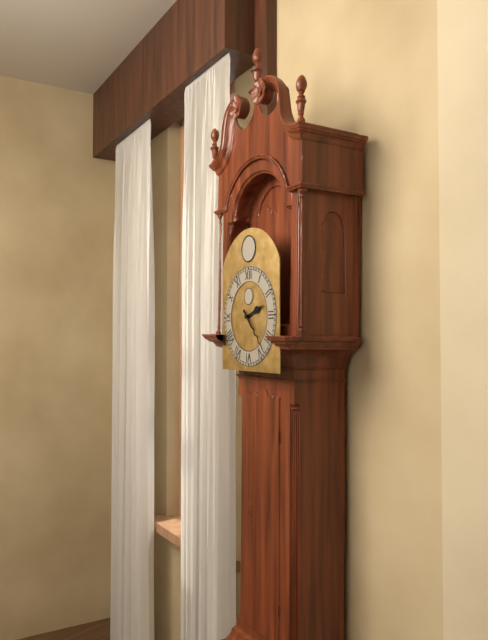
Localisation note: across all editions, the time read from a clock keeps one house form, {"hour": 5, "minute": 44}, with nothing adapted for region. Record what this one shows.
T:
{"hour": 2, "minute": 23}
